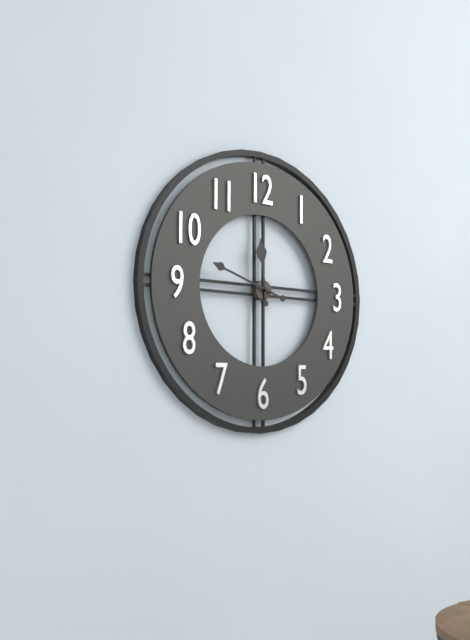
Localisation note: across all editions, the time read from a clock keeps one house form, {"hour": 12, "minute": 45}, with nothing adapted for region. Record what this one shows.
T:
{"hour": 11, "minute": 48}
